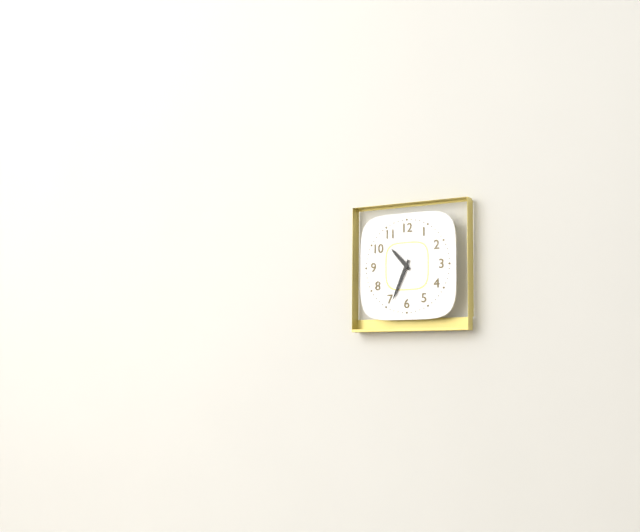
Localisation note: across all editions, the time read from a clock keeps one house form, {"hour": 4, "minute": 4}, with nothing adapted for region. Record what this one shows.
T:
{"hour": 10, "minute": 34}
